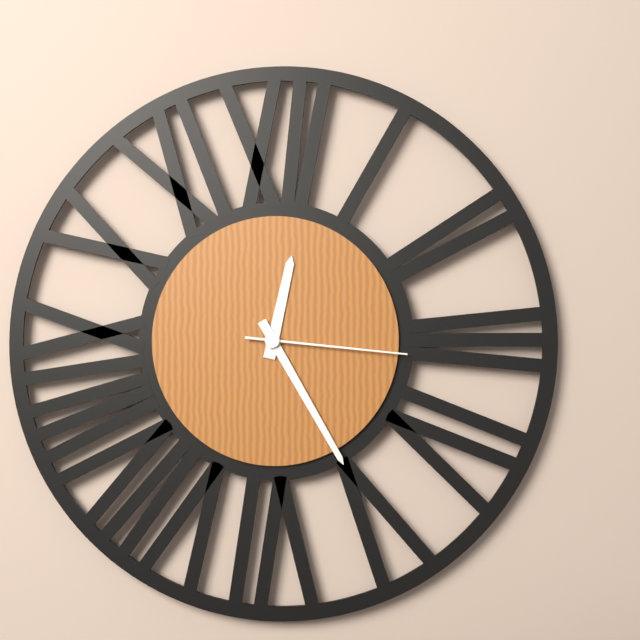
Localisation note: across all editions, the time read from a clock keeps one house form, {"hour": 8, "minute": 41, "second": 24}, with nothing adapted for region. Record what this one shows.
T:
{"hour": 12, "minute": 25, "second": 16}
